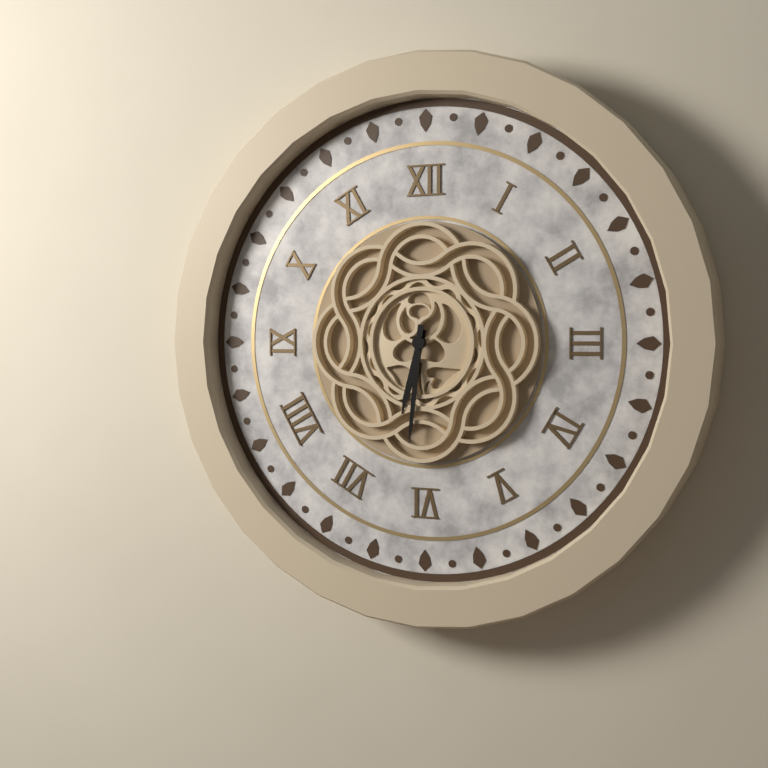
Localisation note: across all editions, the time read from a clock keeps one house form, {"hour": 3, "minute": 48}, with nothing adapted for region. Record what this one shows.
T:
{"hour": 6, "minute": 31}
